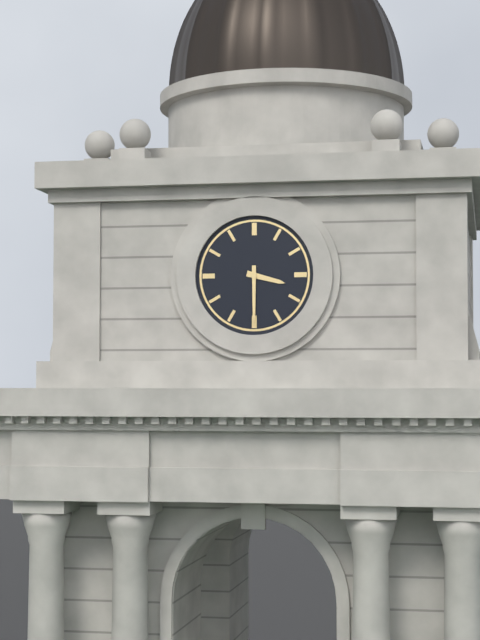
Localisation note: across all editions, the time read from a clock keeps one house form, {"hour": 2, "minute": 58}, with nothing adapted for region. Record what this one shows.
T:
{"hour": 3, "minute": 30}
